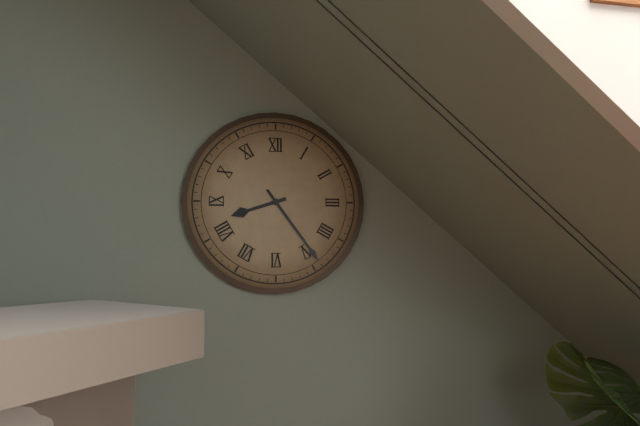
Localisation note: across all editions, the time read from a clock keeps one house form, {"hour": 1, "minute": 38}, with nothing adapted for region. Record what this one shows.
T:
{"hour": 8, "minute": 24}
